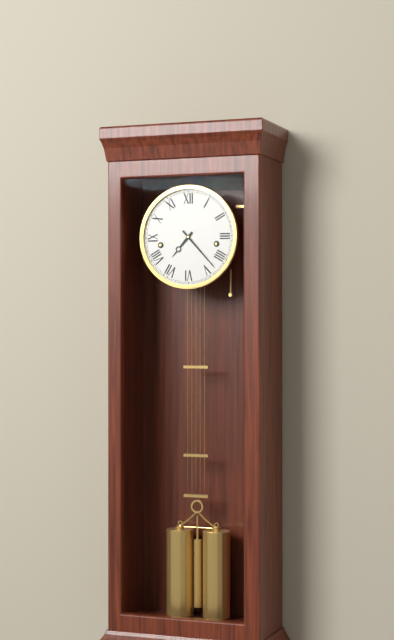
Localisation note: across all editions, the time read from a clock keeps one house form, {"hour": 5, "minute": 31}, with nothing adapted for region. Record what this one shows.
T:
{"hour": 7, "minute": 23}
